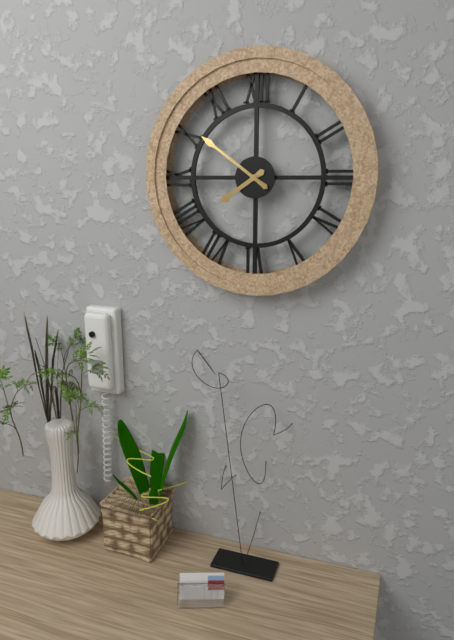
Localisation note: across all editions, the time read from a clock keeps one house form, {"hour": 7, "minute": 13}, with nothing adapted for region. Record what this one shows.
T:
{"hour": 7, "minute": 51}
